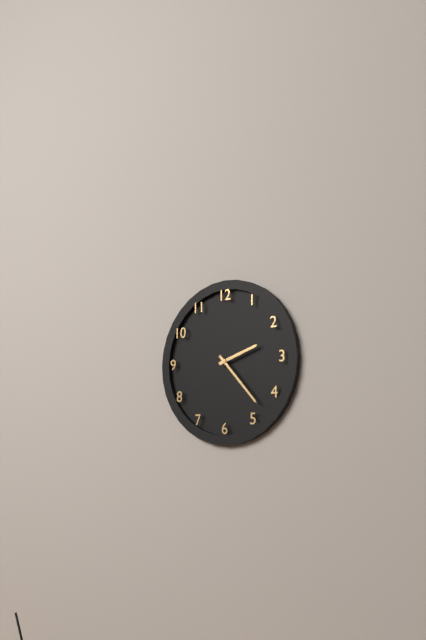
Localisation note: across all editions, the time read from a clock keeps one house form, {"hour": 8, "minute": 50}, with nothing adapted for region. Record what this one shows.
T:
{"hour": 2, "minute": 23}
